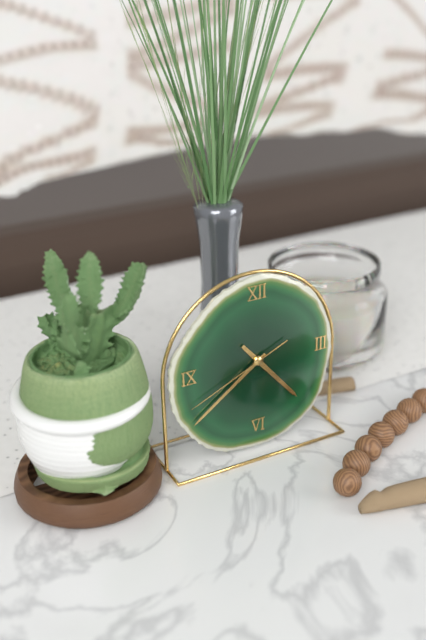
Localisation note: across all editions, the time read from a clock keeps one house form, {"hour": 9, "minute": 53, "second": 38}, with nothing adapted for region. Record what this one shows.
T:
{"hour": 4, "minute": 39, "second": 41}
